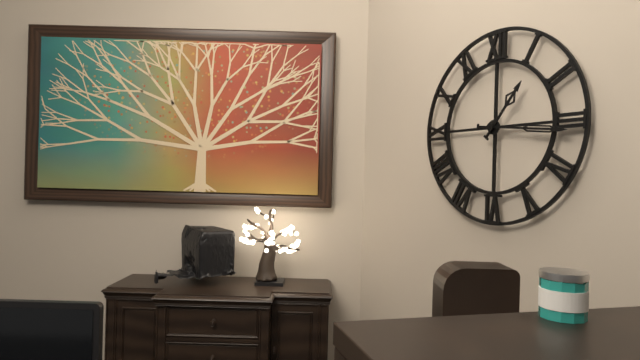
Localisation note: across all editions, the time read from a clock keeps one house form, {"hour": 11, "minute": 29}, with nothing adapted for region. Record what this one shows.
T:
{"hour": 1, "minute": 16}
